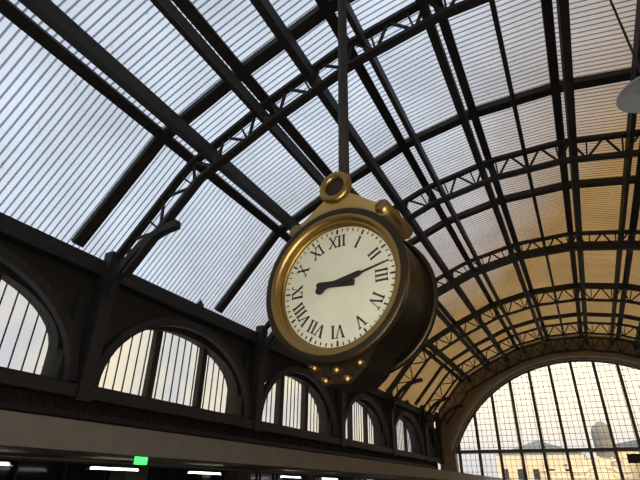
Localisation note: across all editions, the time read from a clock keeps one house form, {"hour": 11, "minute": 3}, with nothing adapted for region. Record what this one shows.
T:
{"hour": 9, "minute": 13}
